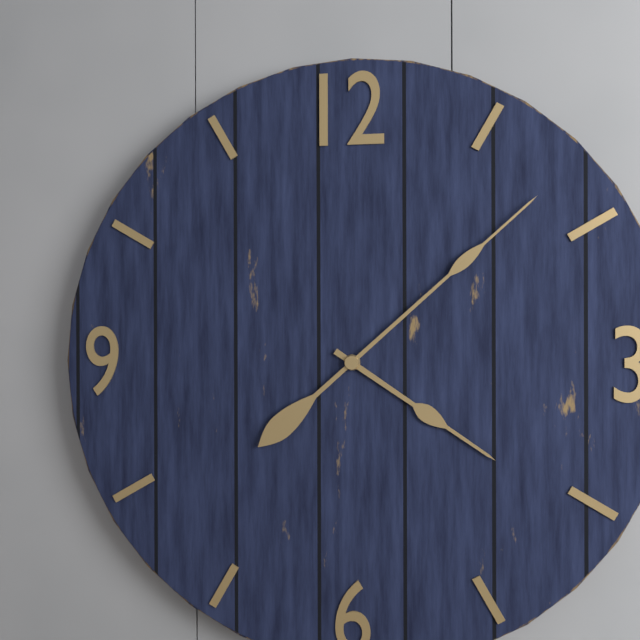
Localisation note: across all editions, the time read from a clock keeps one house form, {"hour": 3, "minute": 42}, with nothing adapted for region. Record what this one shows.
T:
{"hour": 4, "minute": 8}
